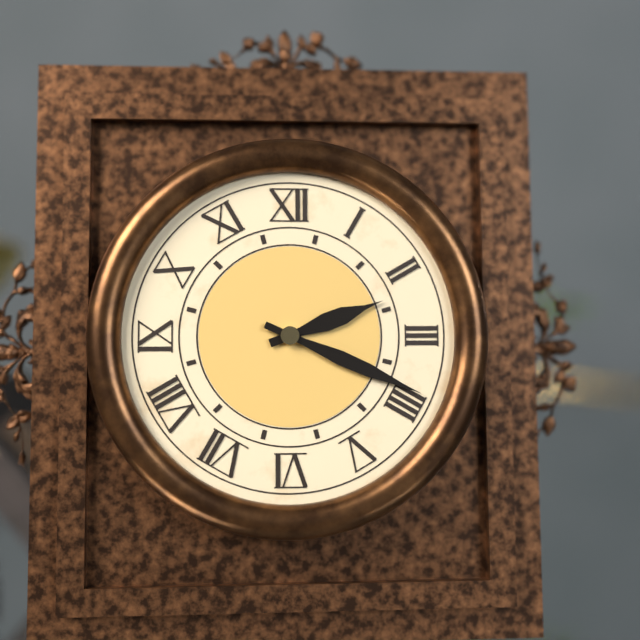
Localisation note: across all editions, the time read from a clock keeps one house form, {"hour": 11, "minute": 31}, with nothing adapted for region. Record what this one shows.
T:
{"hour": 2, "minute": 19}
